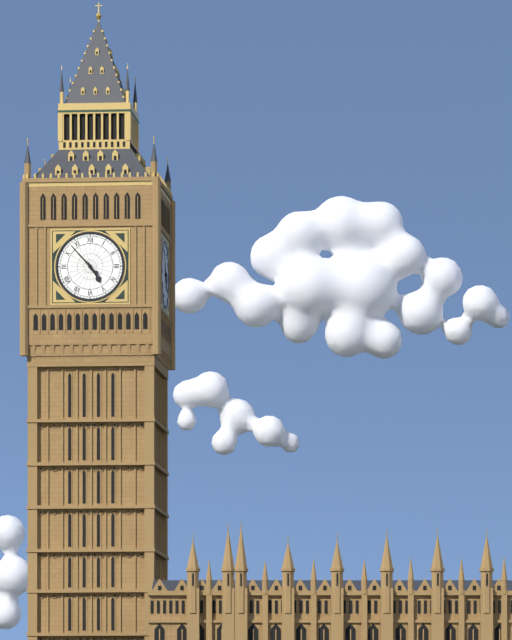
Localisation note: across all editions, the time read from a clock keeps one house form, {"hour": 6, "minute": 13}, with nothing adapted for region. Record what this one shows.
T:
{"hour": 4, "minute": 53}
